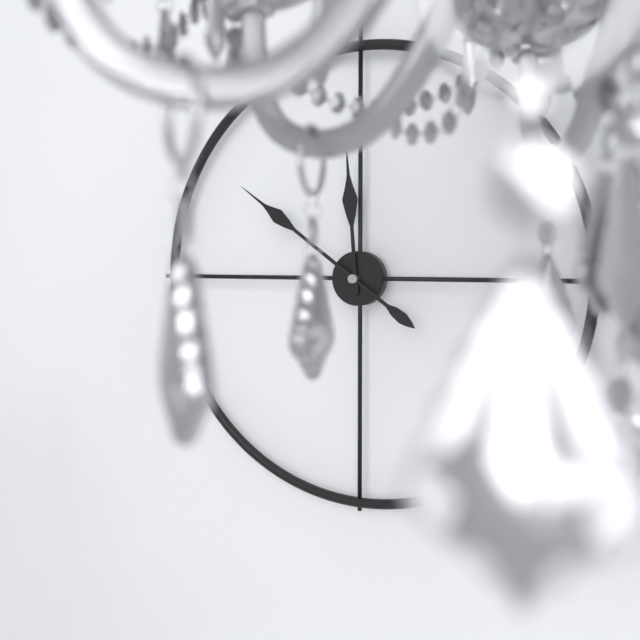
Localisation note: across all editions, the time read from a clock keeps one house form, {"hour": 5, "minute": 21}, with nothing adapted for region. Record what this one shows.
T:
{"hour": 11, "minute": 51}
